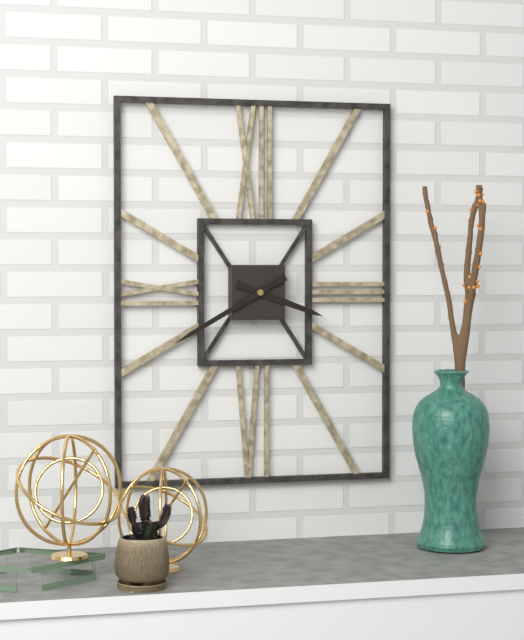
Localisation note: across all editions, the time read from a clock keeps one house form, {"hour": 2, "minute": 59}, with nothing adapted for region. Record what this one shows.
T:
{"hour": 3, "minute": 40}
